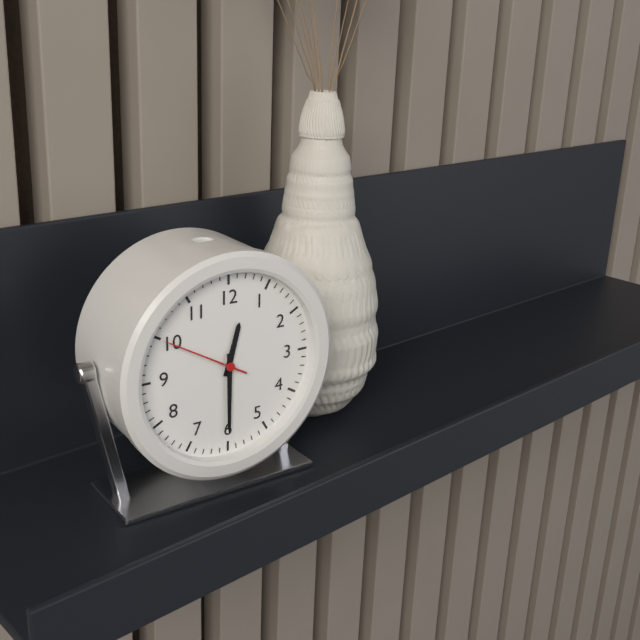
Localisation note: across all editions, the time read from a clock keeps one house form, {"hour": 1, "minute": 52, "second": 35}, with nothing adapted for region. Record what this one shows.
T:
{"hour": 12, "minute": 30, "second": 50}
